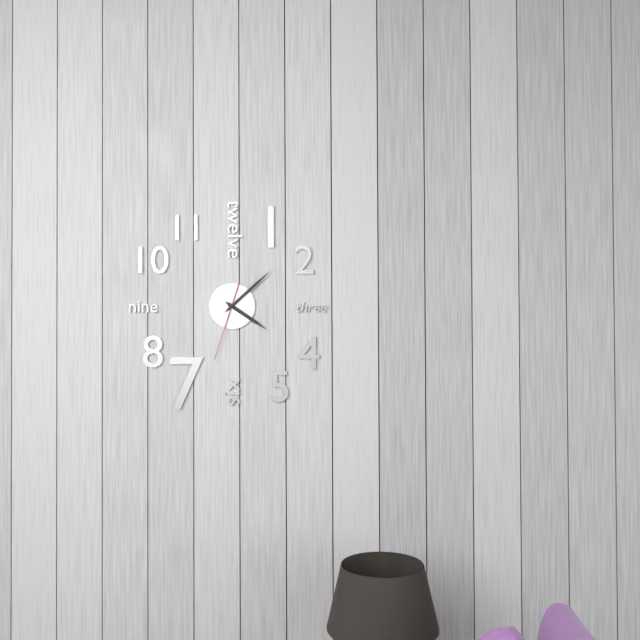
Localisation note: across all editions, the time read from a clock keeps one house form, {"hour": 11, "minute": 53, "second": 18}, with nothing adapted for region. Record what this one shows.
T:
{"hour": 4, "minute": 8, "second": 33}
